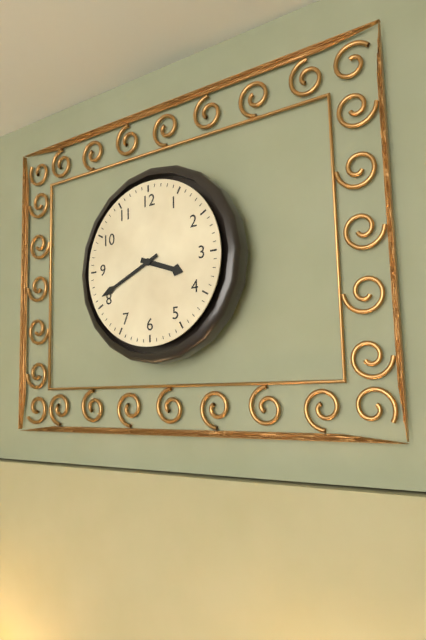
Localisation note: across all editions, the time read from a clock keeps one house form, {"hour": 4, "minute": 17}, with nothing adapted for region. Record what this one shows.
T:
{"hour": 3, "minute": 41}
